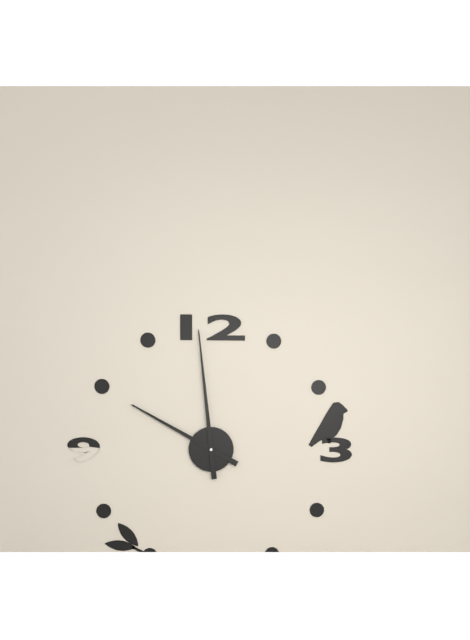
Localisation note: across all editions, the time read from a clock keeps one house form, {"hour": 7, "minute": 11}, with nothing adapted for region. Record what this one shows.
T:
{"hour": 9, "minute": 59}
